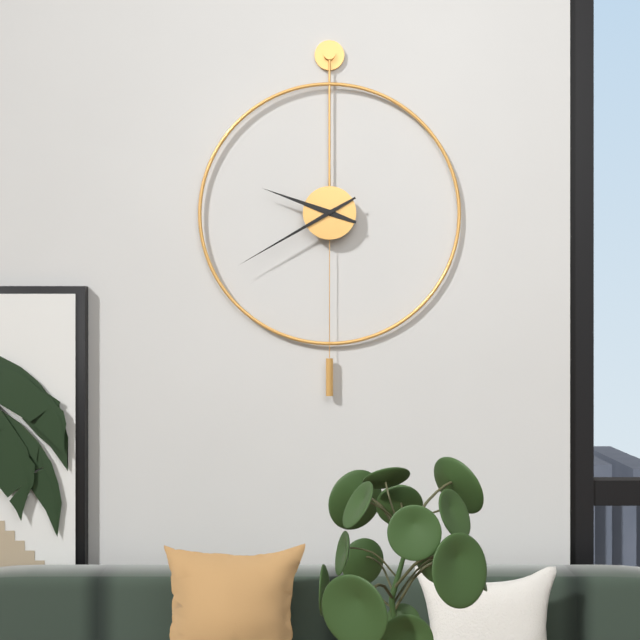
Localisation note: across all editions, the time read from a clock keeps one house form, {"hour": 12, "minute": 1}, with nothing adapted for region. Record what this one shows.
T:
{"hour": 9, "minute": 40}
